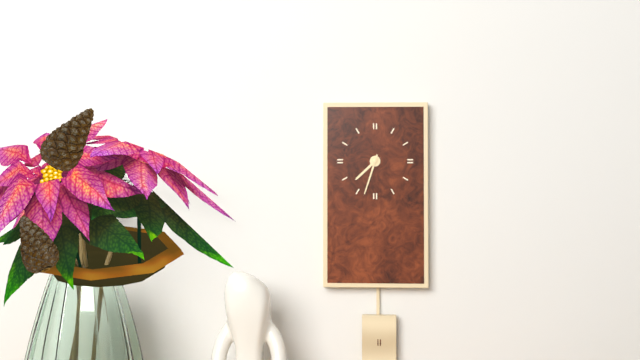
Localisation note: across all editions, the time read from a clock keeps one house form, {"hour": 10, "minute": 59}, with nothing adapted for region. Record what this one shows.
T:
{"hour": 7, "minute": 33}
